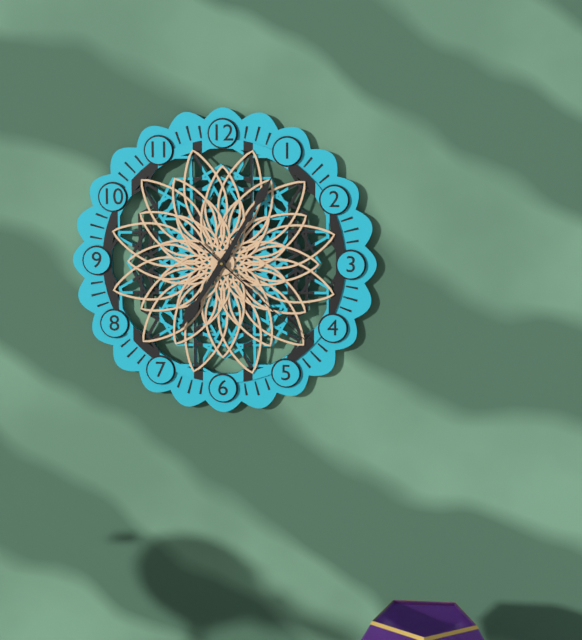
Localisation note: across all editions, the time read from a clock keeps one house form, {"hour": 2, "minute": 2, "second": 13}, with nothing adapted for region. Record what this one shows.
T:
{"hour": 7, "minute": 5, "second": 22}
